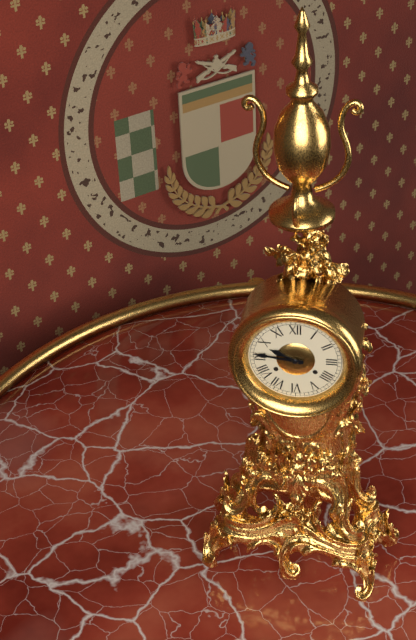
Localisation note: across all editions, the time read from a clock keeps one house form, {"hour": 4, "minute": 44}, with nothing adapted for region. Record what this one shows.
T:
{"hour": 9, "minute": 46}
